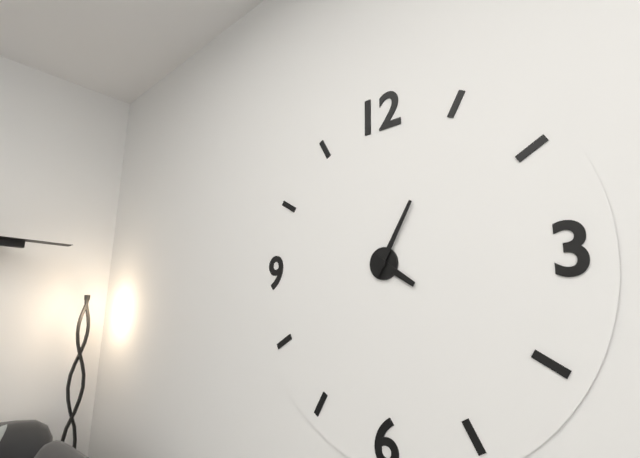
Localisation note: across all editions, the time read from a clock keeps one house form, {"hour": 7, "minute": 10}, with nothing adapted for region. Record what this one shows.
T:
{"hour": 4, "minute": 5}
